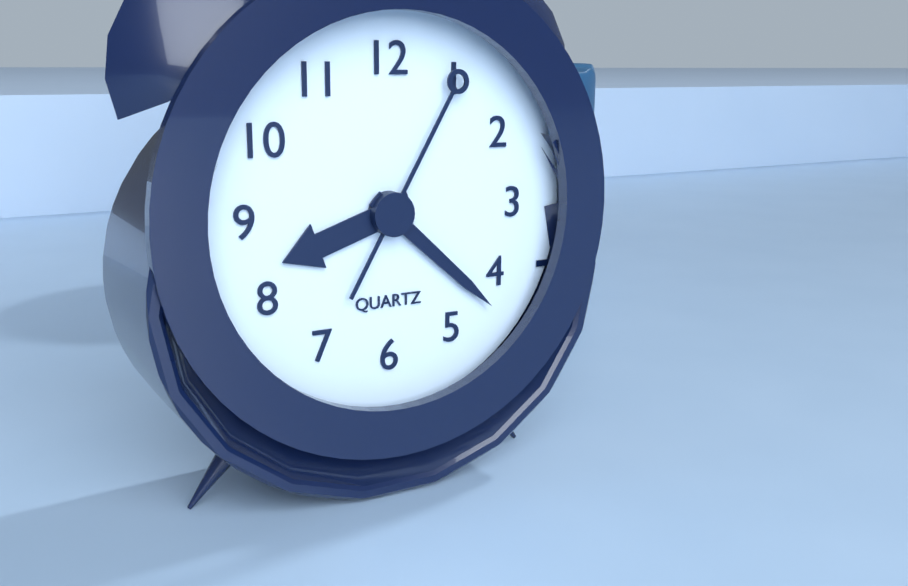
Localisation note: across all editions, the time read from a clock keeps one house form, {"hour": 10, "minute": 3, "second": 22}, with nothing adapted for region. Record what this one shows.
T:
{"hour": 8, "minute": 22, "second": 5}
